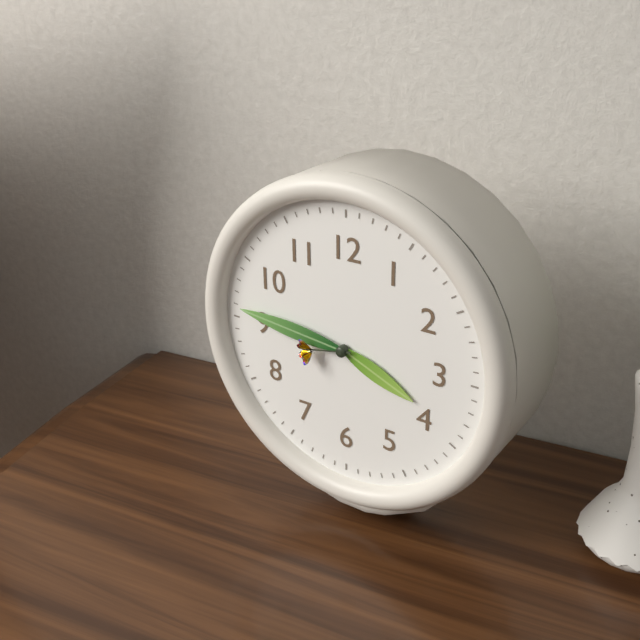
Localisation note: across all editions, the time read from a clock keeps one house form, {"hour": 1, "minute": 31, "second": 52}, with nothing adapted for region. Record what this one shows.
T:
{"hour": 3, "minute": 46, "second": 43}
